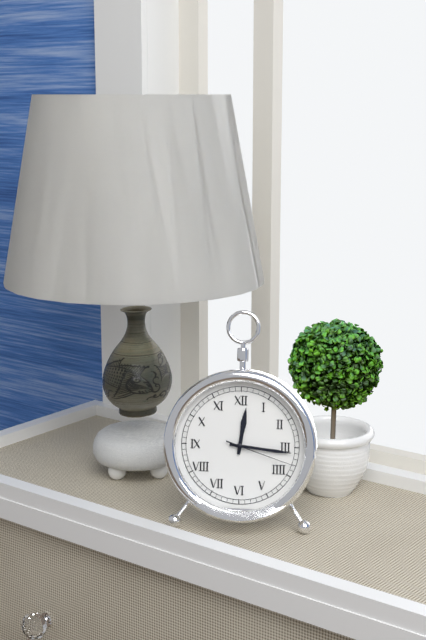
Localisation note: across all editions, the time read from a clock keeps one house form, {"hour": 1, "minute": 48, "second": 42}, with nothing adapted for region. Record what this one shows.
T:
{"hour": 12, "minute": 16, "second": 18}
